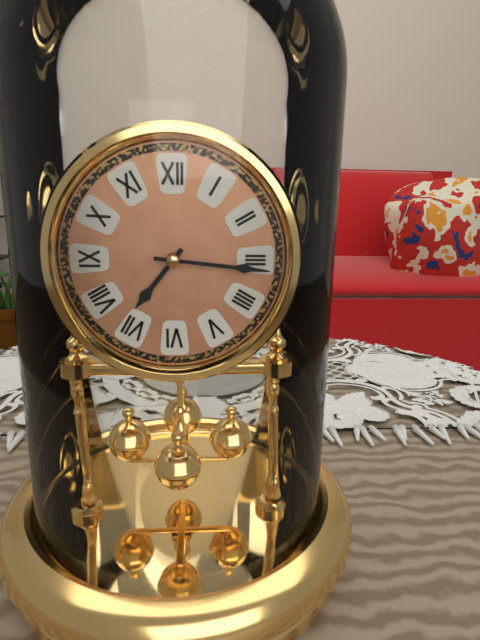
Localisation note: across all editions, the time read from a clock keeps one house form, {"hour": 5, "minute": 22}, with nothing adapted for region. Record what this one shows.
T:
{"hour": 7, "minute": 16}
